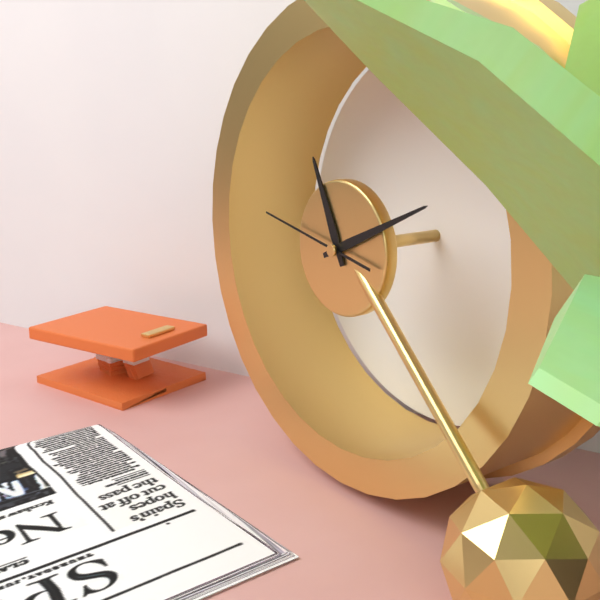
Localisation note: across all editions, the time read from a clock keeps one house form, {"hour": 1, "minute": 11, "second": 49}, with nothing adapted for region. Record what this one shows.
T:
{"hour": 11, "minute": 11, "second": 47}
